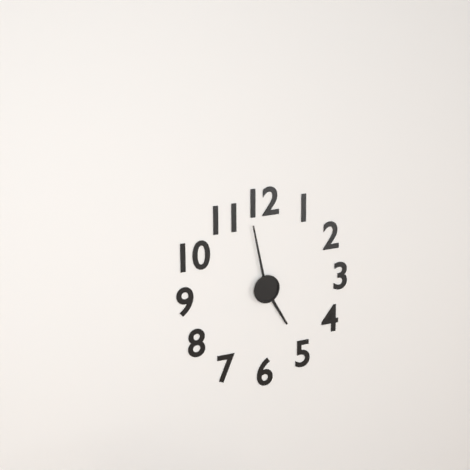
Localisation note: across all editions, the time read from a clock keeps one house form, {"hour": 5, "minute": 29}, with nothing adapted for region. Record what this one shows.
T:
{"hour": 4, "minute": 58}
